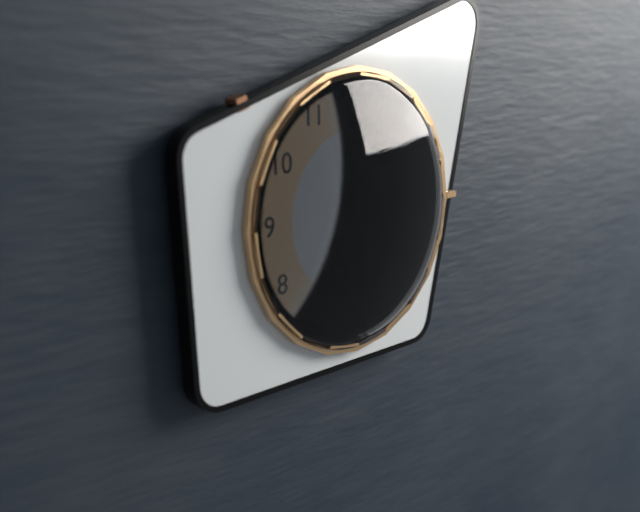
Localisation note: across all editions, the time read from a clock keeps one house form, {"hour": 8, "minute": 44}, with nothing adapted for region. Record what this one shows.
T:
{"hour": 7, "minute": 8}
